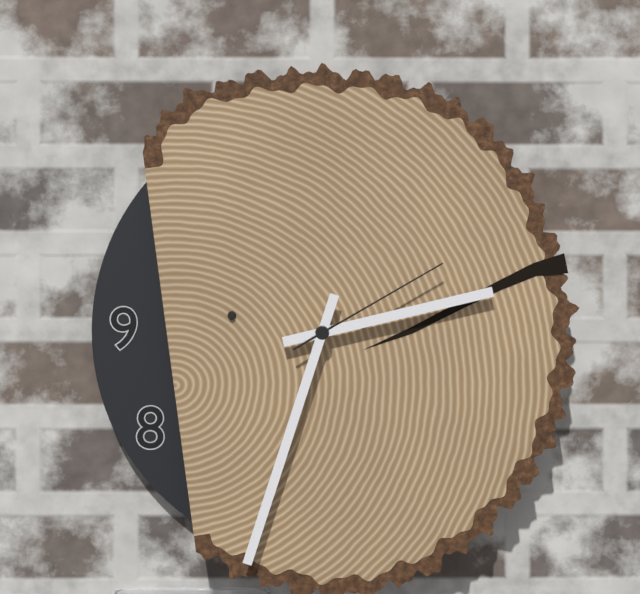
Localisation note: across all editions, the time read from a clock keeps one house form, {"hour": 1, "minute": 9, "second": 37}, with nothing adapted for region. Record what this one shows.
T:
{"hour": 2, "minute": 33, "second": 10}
